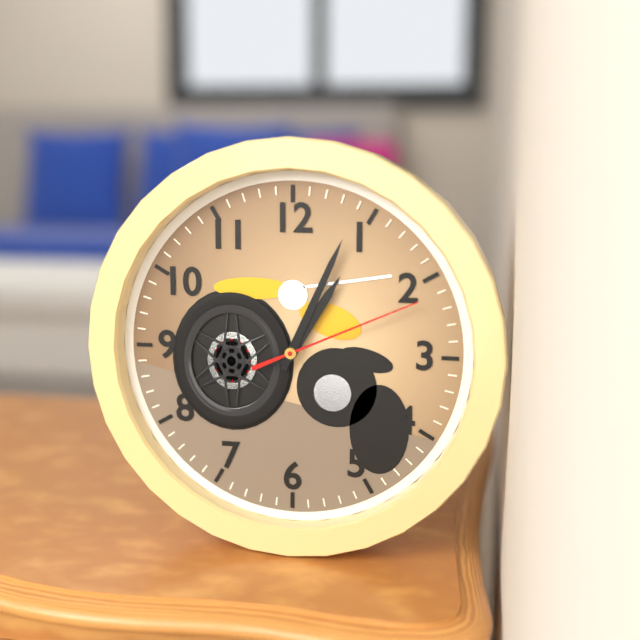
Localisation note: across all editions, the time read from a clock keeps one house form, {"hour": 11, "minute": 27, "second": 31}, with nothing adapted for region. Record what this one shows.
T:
{"hour": 1, "minute": 4, "second": 11}
